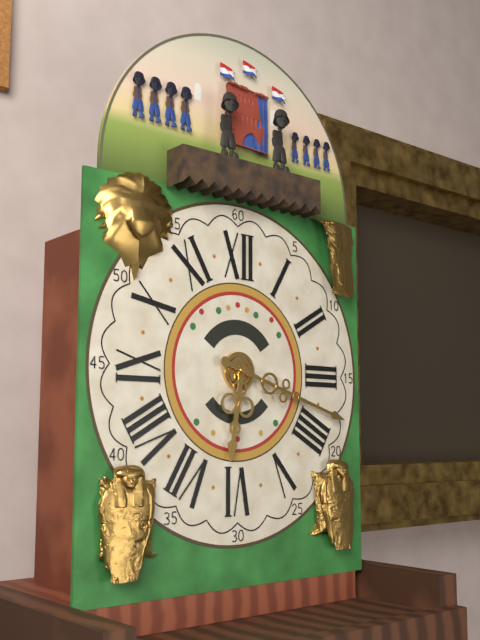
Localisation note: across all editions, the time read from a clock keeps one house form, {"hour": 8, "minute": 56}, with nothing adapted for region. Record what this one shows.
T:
{"hour": 6, "minute": 18}
